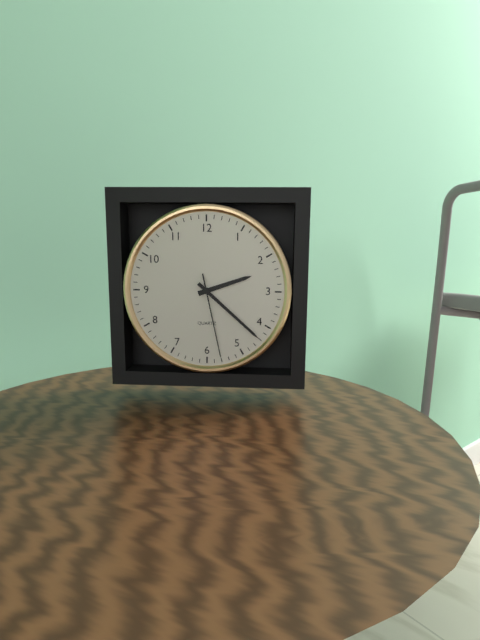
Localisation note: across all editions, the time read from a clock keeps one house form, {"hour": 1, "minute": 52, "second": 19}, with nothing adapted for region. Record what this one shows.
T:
{"hour": 2, "minute": 22, "second": 28}
